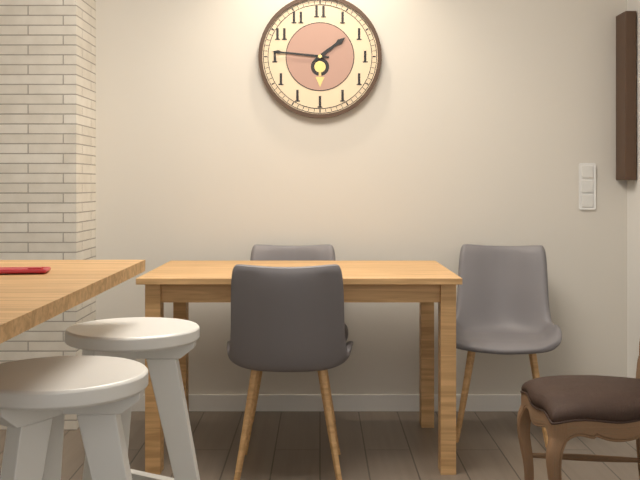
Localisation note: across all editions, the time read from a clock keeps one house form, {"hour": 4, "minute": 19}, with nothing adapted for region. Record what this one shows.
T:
{"hour": 1, "minute": 46}
